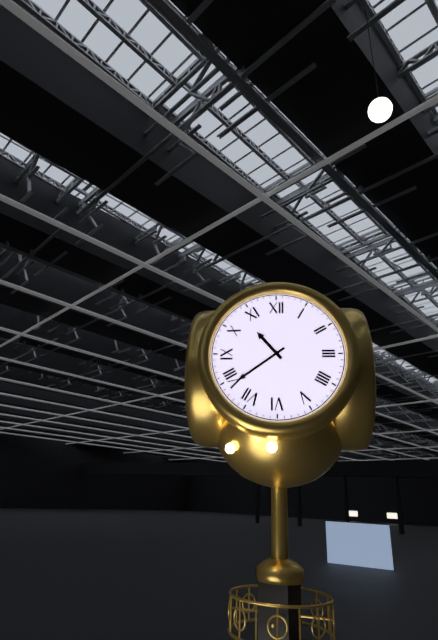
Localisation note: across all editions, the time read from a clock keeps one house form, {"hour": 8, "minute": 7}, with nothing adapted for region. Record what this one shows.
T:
{"hour": 10, "minute": 39}
